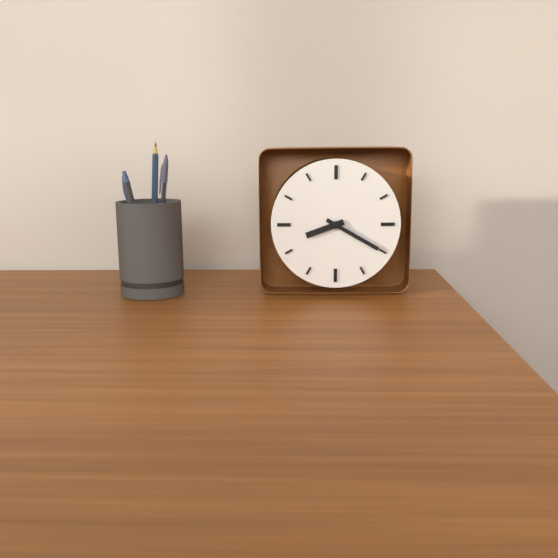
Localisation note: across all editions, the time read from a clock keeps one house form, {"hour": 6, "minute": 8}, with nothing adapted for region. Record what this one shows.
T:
{"hour": 8, "minute": 20}
